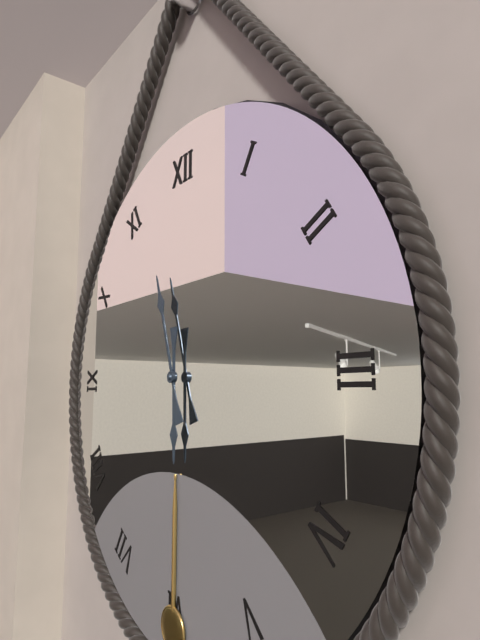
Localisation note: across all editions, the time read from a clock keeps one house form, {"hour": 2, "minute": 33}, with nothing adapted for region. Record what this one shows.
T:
{"hour": 5, "minute": 57}
